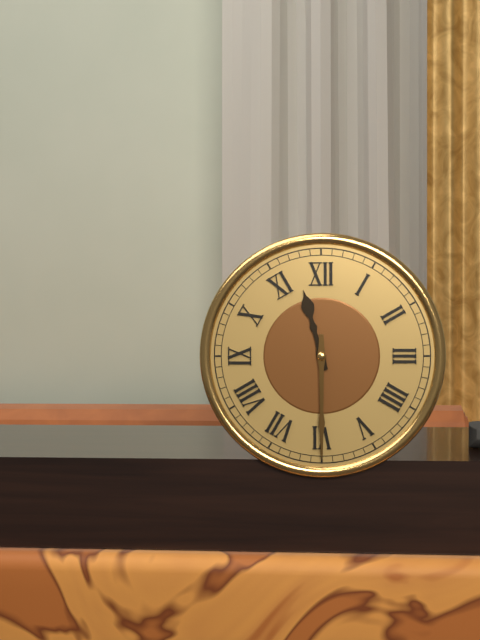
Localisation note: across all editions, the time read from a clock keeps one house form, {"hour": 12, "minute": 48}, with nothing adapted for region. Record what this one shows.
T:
{"hour": 11, "minute": 30}
